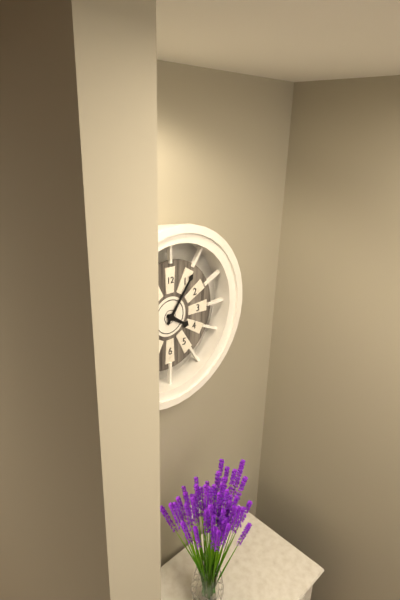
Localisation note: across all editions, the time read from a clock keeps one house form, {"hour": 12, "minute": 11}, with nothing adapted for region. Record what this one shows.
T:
{"hour": 4, "minute": 6}
